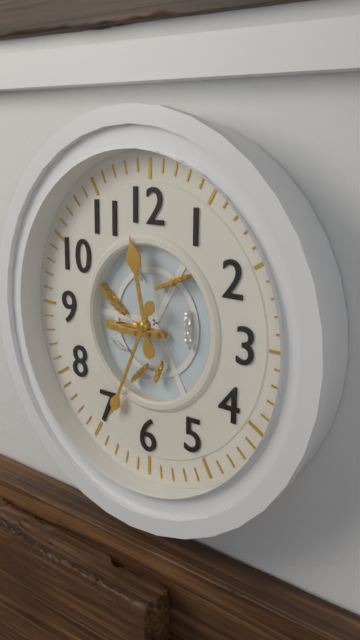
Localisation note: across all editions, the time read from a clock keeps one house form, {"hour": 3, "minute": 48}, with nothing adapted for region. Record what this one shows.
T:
{"hour": 11, "minute": 34}
